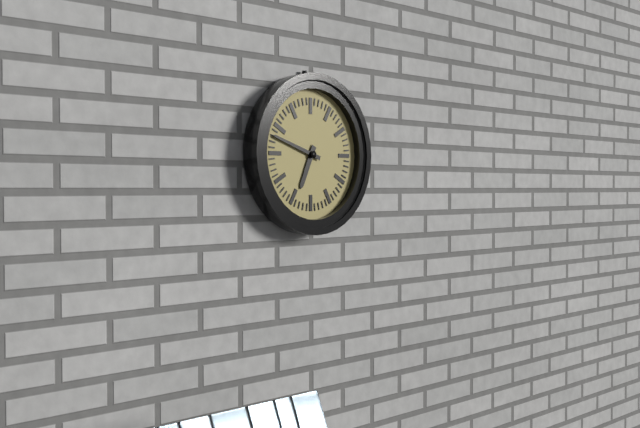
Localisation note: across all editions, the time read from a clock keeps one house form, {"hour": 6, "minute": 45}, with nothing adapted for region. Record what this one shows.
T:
{"hour": 6, "minute": 48}
